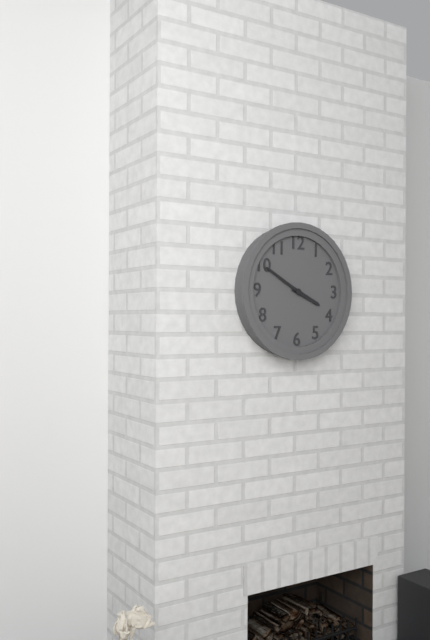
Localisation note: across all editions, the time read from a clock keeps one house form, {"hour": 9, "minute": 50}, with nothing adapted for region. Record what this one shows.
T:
{"hour": 3, "minute": 50}
